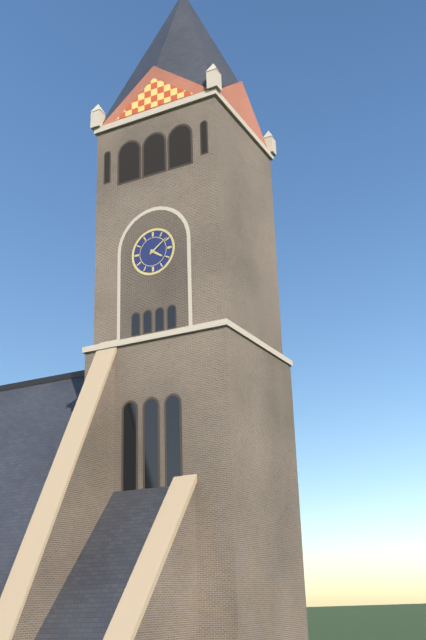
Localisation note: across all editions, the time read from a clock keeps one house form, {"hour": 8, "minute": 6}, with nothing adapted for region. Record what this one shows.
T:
{"hour": 4, "minute": 9}
